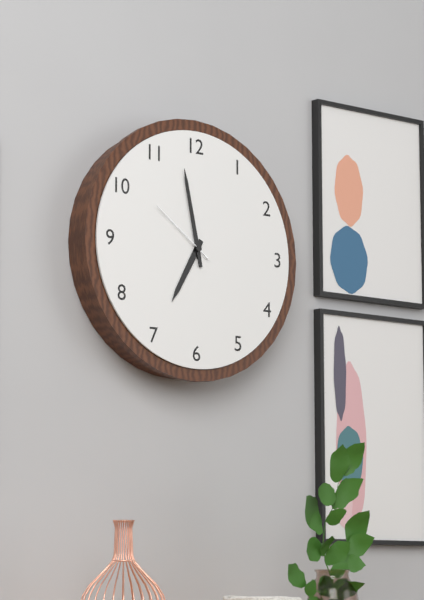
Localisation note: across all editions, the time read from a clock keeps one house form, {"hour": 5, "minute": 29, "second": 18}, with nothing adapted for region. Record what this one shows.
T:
{"hour": 6, "minute": 58, "second": 51}
